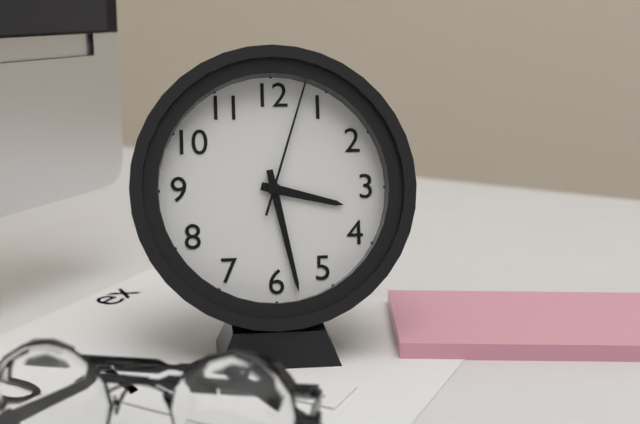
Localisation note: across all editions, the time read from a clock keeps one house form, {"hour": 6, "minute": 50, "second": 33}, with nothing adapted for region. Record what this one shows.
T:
{"hour": 3, "minute": 28, "second": 3}
